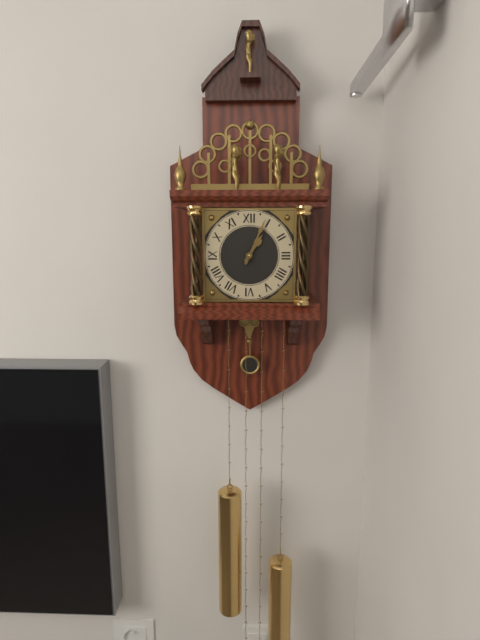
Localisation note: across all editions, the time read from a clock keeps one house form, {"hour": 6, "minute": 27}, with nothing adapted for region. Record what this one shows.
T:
{"hour": 1, "minute": 4}
